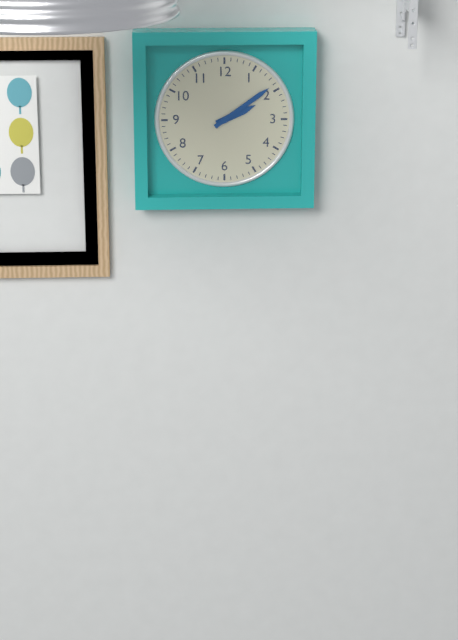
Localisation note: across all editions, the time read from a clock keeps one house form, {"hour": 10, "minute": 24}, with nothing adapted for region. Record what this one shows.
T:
{"hour": 2, "minute": 9}
